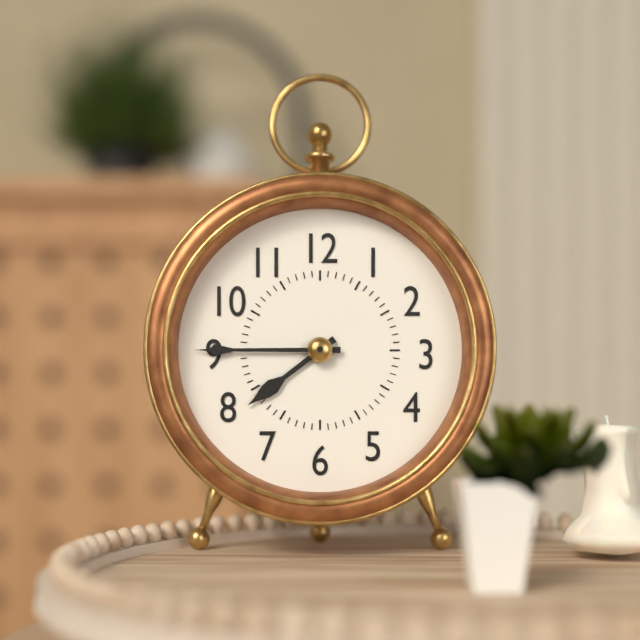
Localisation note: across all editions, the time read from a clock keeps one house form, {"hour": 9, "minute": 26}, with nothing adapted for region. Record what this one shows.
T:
{"hour": 7, "minute": 45}
